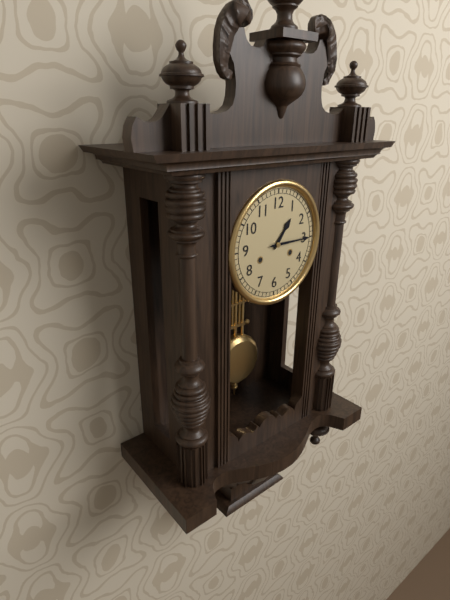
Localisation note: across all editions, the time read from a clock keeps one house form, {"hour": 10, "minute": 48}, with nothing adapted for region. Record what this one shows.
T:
{"hour": 1, "minute": 15}
